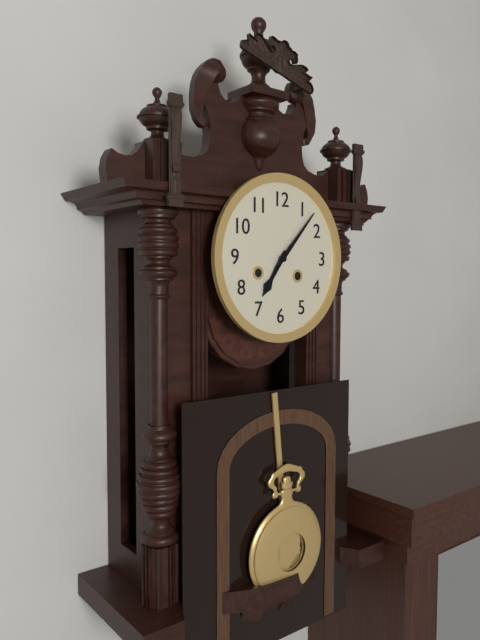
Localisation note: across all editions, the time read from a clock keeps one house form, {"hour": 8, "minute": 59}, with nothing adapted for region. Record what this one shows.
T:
{"hour": 7, "minute": 7}
